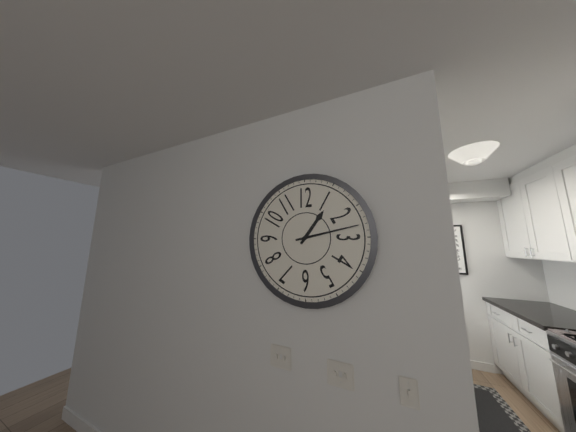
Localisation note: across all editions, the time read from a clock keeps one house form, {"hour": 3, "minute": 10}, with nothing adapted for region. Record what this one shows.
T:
{"hour": 1, "minute": 13}
